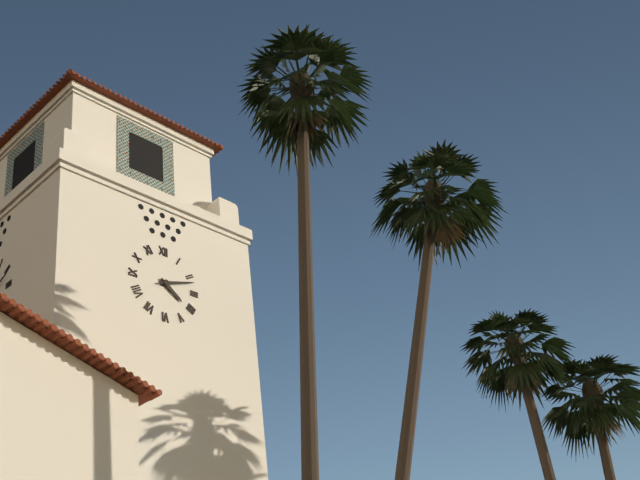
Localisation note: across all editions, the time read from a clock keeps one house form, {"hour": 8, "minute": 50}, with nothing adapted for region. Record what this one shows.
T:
{"hour": 4, "minute": 12}
